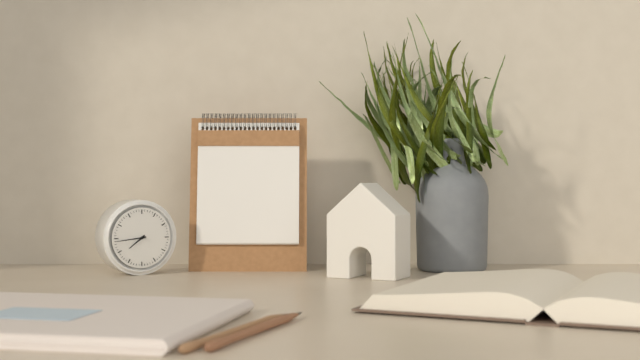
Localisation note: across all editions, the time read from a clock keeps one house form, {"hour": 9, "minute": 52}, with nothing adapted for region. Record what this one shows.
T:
{"hour": 7, "minute": 44}
